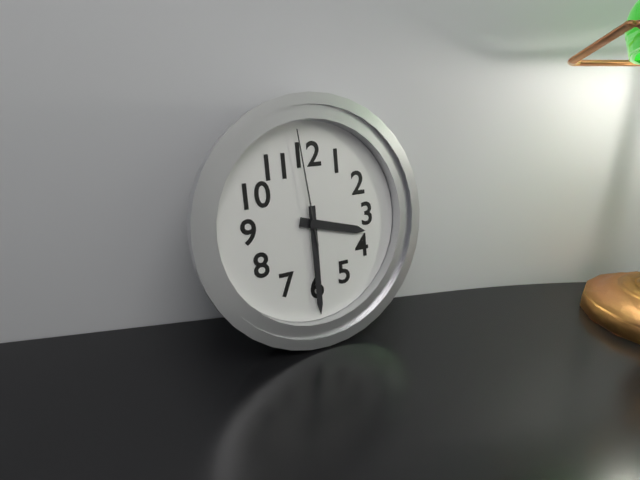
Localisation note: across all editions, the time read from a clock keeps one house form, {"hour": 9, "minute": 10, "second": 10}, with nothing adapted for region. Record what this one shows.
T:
{"hour": 3, "minute": 30, "second": 59}
